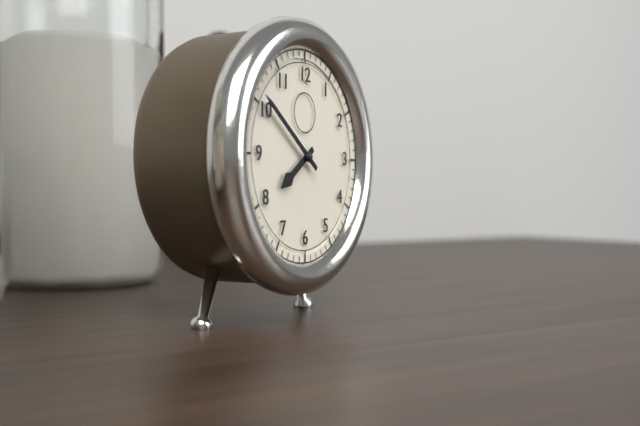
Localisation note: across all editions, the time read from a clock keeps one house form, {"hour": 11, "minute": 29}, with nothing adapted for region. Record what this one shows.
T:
{"hour": 7, "minute": 51}
